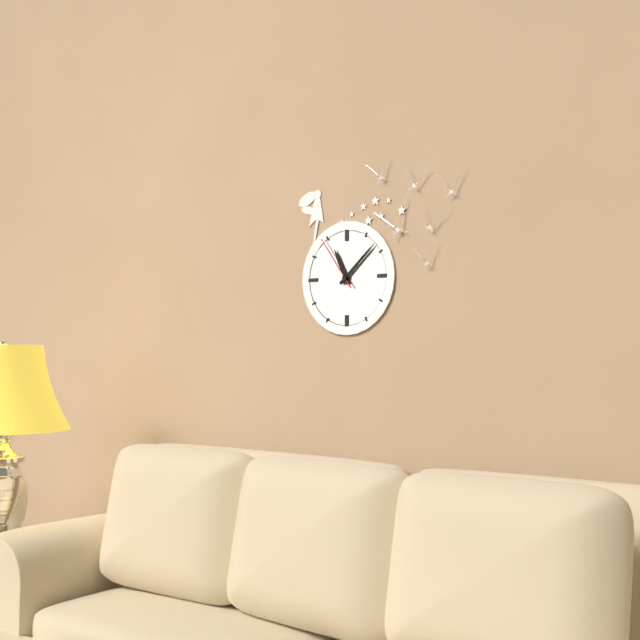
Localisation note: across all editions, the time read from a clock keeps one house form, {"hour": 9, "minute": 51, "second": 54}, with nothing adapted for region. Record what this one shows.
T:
{"hour": 11, "minute": 8, "second": 54}
